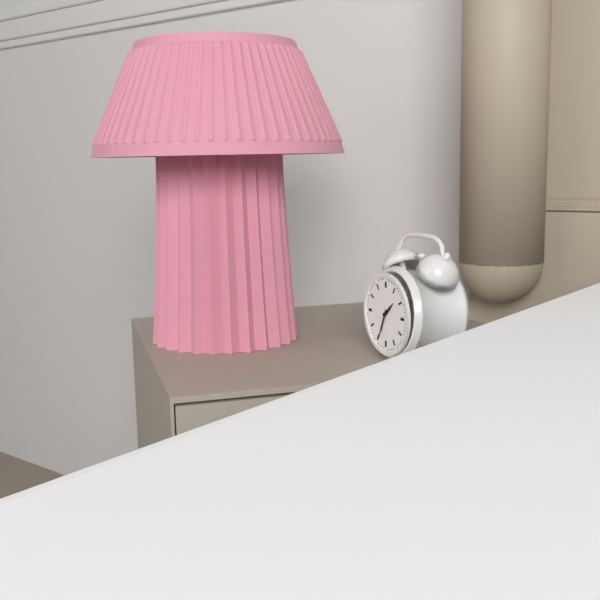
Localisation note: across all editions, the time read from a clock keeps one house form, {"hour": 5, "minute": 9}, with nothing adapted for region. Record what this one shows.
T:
{"hour": 1, "minute": 34}
